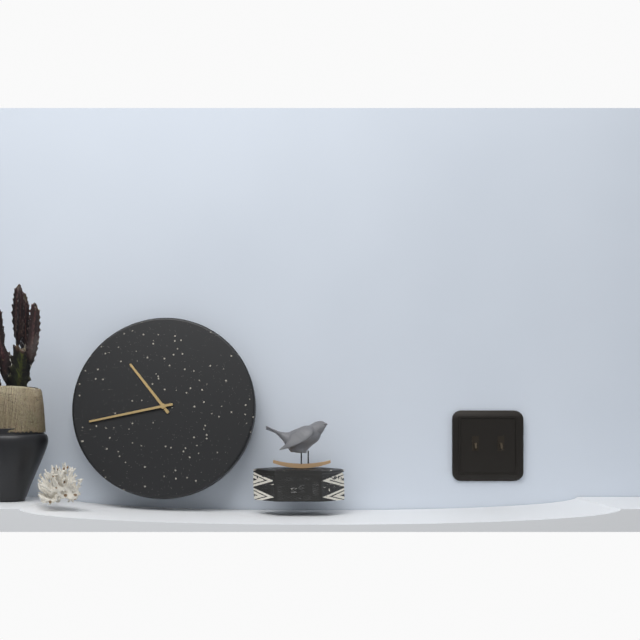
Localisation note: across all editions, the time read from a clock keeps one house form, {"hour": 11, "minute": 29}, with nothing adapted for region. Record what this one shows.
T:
{"hour": 10, "minute": 43}
